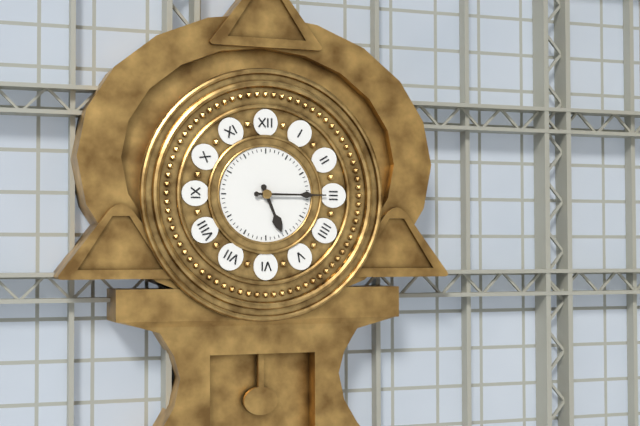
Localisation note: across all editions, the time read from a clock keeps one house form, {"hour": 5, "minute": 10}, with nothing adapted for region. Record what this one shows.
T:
{"hour": 5, "minute": 15}
